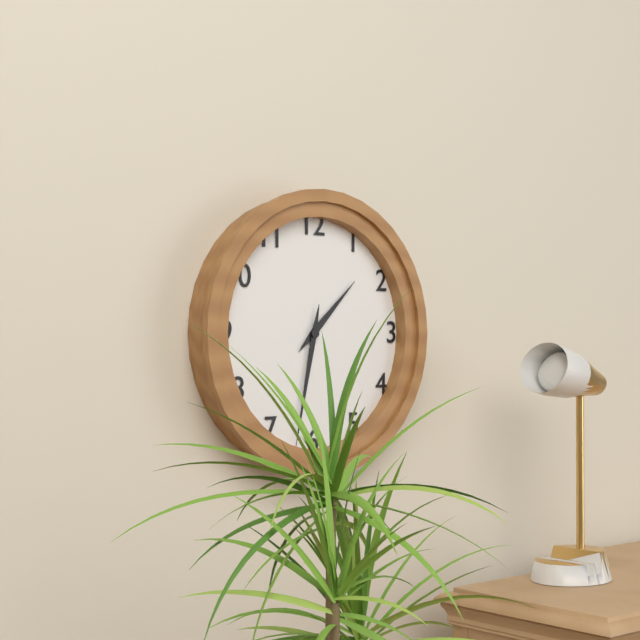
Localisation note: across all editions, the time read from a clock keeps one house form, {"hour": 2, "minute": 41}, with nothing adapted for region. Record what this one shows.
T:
{"hour": 1, "minute": 32}
